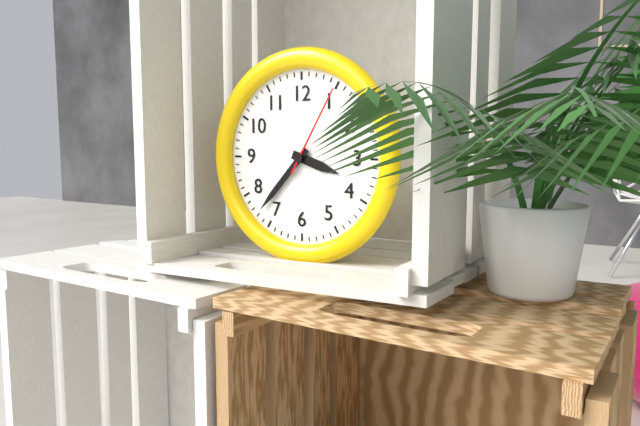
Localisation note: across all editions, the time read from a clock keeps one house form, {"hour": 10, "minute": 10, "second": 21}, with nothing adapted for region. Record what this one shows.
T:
{"hour": 3, "minute": 37, "second": 5}
